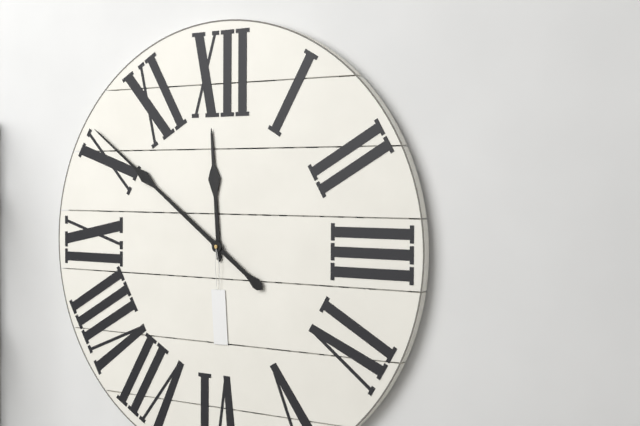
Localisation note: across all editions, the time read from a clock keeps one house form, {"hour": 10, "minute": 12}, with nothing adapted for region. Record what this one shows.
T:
{"hour": 11, "minute": 51}
